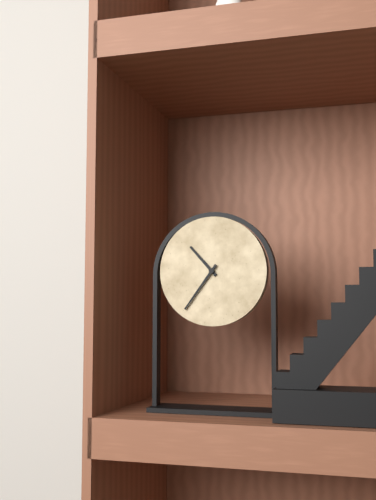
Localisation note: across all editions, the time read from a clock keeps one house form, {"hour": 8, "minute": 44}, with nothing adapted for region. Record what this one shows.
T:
{"hour": 10, "minute": 36}
